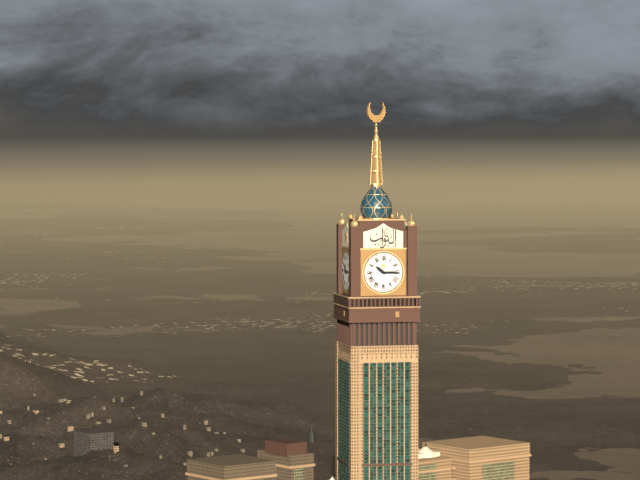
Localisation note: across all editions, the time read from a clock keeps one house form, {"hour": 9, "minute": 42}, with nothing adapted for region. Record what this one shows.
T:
{"hour": 10, "minute": 15}
